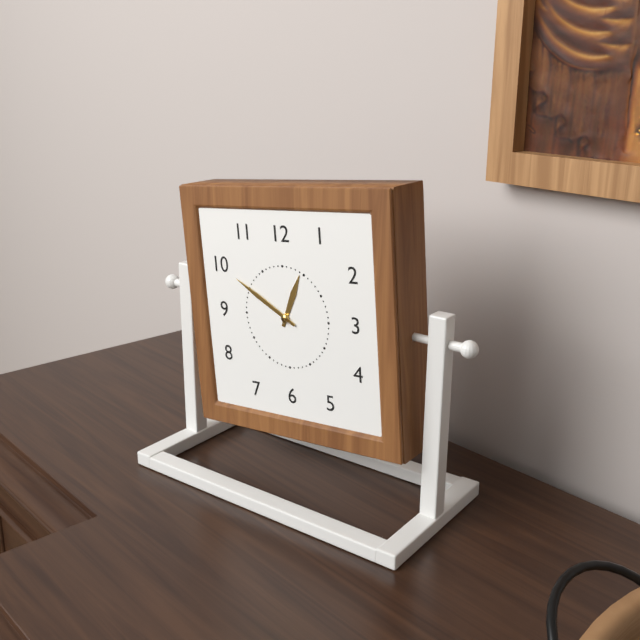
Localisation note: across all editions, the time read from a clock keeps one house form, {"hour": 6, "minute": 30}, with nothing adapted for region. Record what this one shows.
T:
{"hour": 12, "minute": 50}
